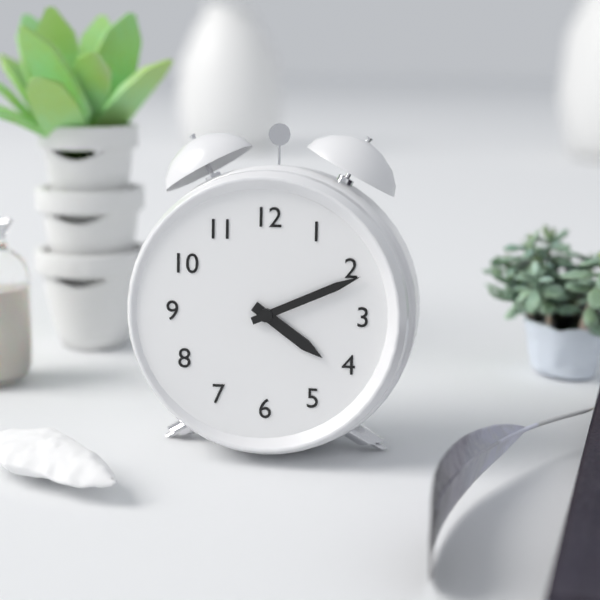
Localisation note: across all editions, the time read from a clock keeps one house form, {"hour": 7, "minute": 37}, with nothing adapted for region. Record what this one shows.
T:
{"hour": 4, "minute": 11}
